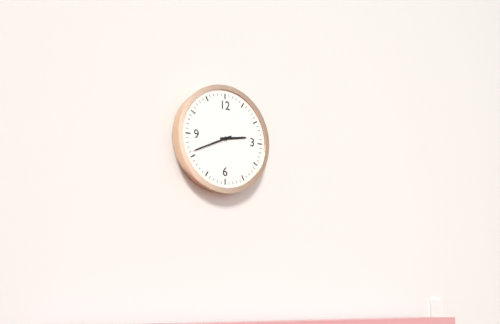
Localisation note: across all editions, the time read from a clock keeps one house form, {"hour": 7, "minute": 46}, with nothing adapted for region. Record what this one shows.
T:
{"hour": 2, "minute": 41}
